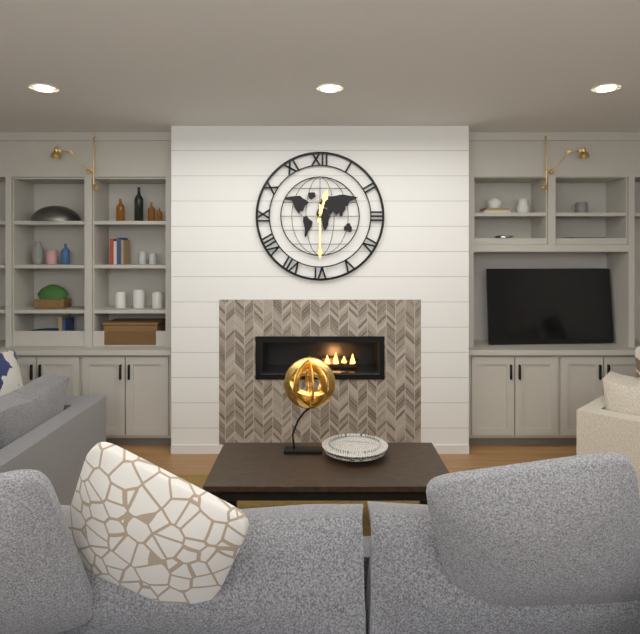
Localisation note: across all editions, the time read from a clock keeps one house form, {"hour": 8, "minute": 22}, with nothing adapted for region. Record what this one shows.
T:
{"hour": 12, "minute": 30}
